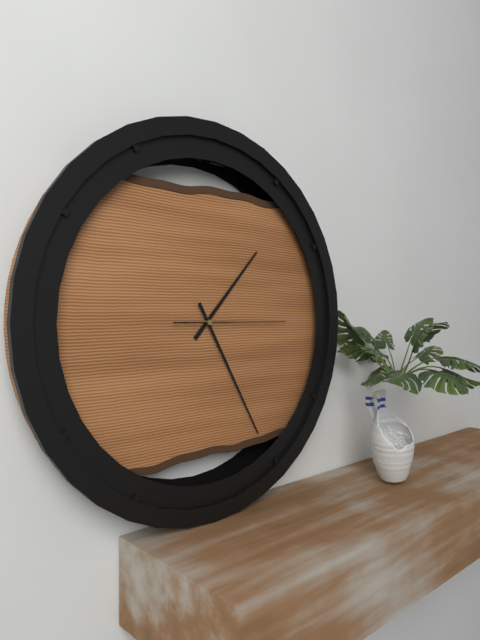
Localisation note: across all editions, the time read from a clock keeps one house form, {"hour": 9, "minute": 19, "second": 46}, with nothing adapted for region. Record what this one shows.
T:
{"hour": 1, "minute": 25, "second": 15}
